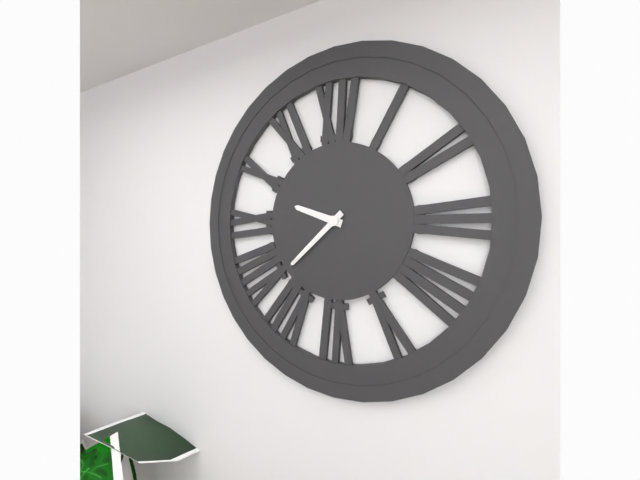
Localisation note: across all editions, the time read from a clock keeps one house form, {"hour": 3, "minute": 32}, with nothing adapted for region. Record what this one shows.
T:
{"hour": 9, "minute": 38}
